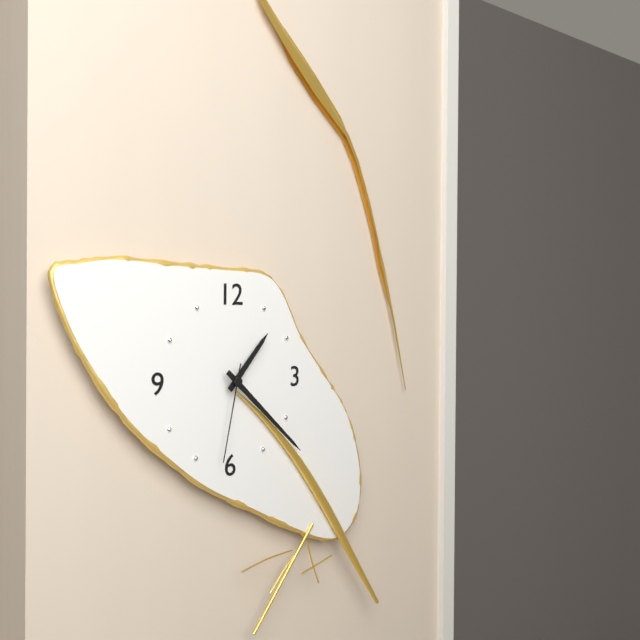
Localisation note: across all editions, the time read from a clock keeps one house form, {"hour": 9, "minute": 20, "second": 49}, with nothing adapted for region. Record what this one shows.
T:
{"hour": 1, "minute": 22, "second": 32}
